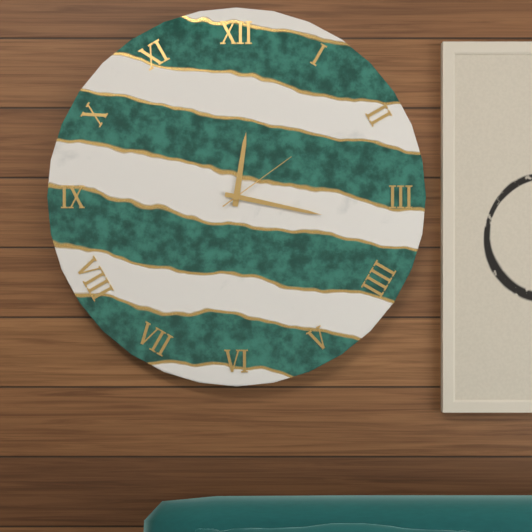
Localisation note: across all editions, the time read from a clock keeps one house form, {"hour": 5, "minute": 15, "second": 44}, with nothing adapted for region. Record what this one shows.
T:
{"hour": 12, "minute": 17, "second": 9}
